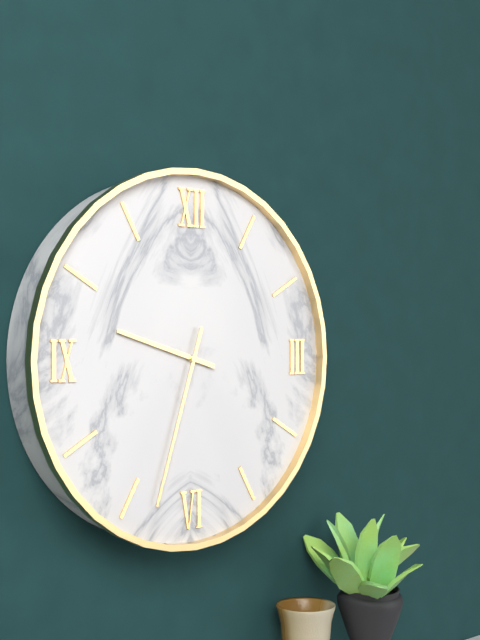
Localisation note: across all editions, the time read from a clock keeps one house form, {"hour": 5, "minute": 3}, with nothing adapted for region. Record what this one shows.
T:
{"hour": 9, "minute": 33}
